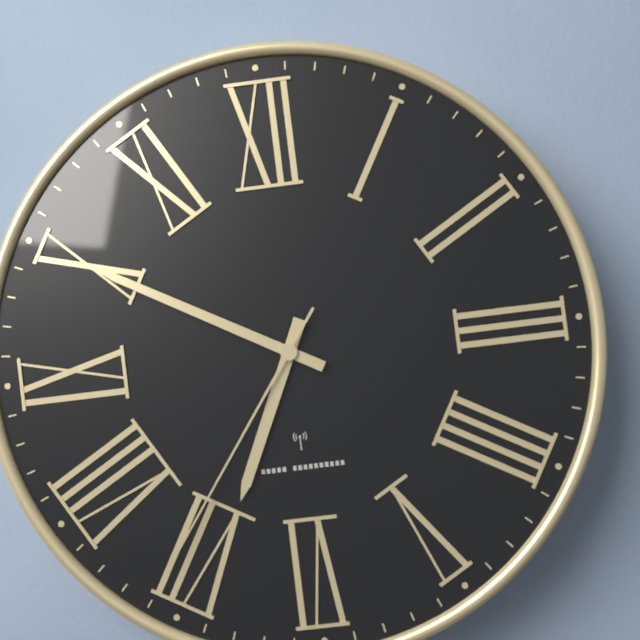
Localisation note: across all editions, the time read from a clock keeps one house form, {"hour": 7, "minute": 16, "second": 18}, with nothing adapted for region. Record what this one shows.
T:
{"hour": 6, "minute": 50, "second": 36}
